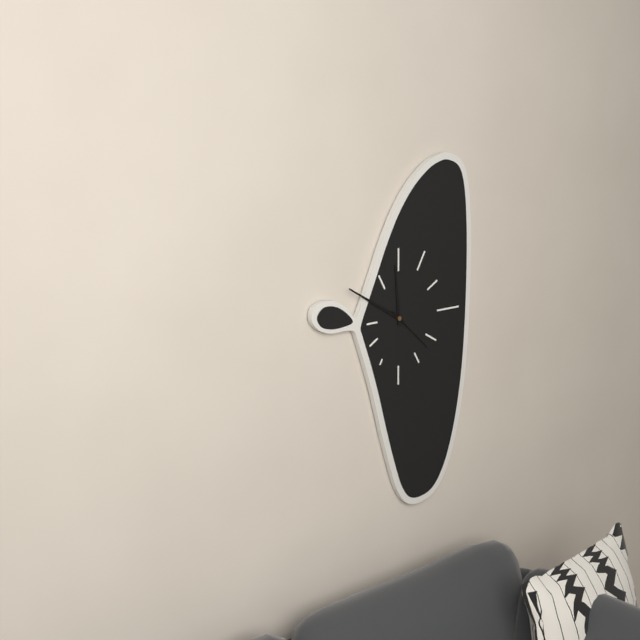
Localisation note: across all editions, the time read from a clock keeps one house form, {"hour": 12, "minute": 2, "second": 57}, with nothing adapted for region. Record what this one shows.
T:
{"hour": 11, "minute": 50, "second": 22}
